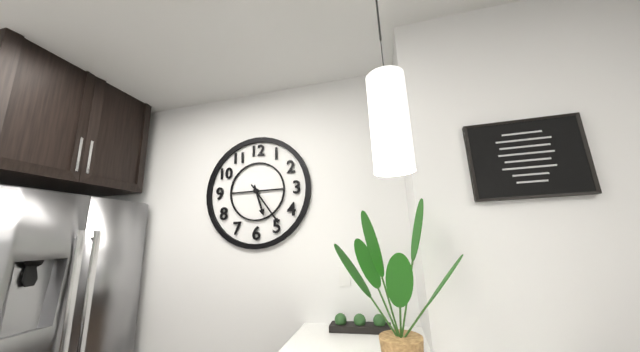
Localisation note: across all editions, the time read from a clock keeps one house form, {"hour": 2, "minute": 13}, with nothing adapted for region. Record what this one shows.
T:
{"hour": 5, "minute": 24}
